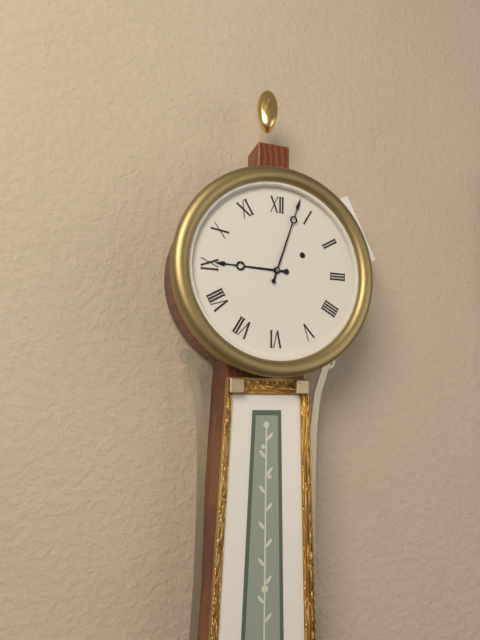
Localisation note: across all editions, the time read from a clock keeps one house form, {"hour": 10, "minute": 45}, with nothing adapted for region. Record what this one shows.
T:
{"hour": 9, "minute": 3}
